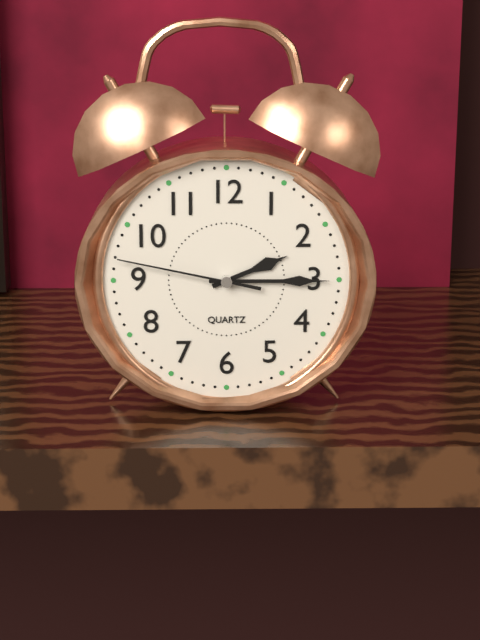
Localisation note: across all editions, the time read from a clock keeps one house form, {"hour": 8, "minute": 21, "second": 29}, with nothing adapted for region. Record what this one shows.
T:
{"hour": 2, "minute": 15, "second": 47}
